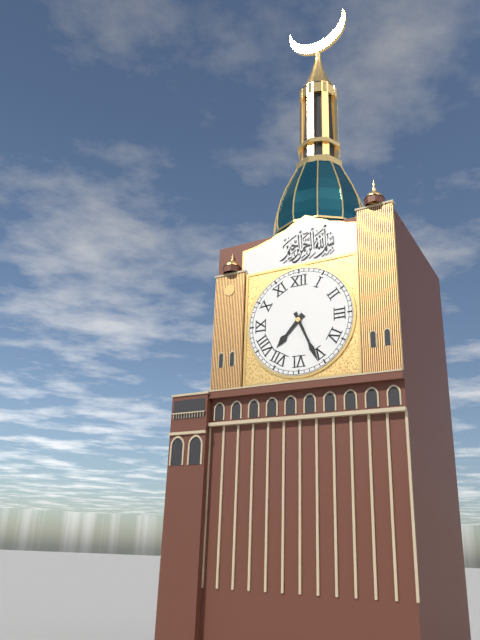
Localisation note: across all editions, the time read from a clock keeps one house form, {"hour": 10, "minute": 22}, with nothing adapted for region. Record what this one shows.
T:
{"hour": 7, "minute": 26}
